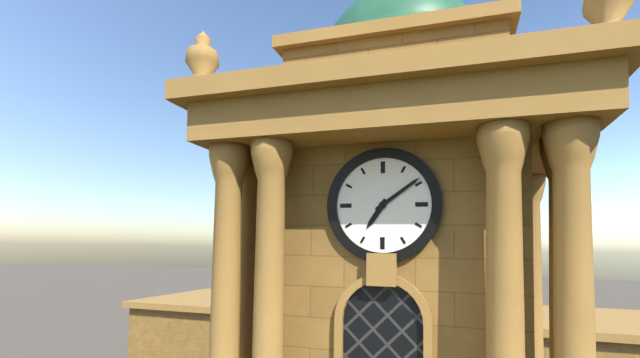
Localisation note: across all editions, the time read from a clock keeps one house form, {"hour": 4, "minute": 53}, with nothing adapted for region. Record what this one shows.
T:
{"hour": 7, "minute": 9}
